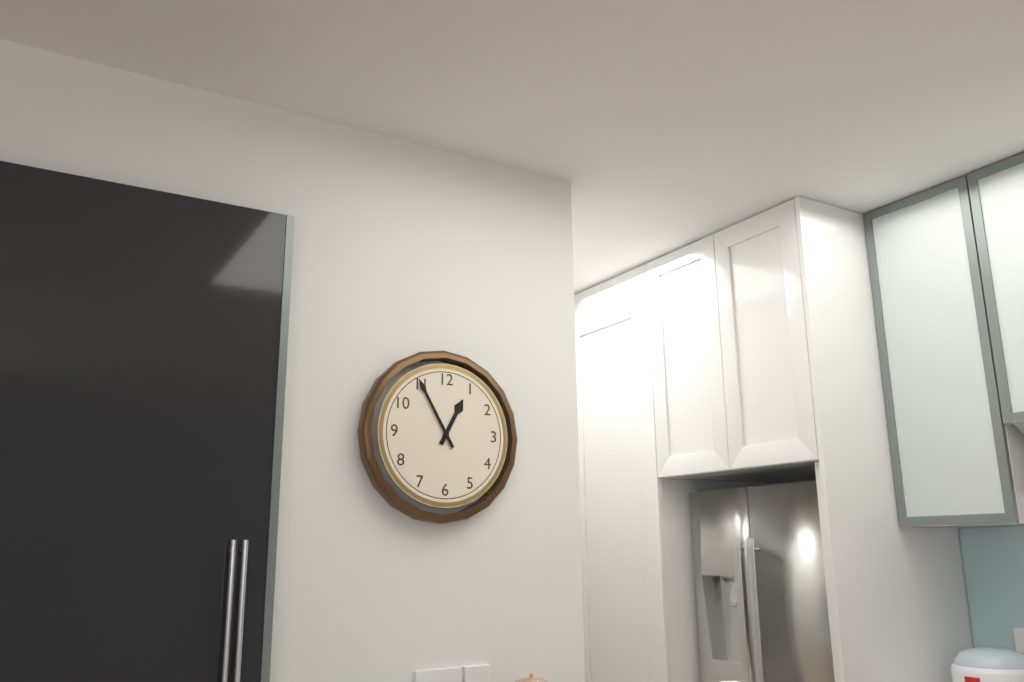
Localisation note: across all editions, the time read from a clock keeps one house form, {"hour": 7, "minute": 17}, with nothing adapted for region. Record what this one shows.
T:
{"hour": 12, "minute": 55}
